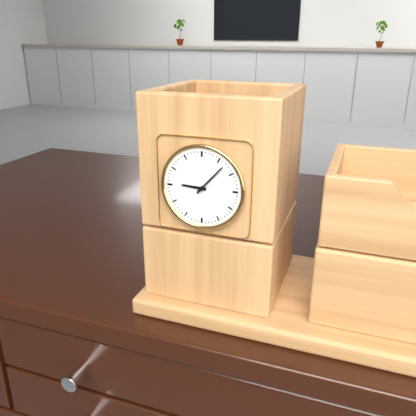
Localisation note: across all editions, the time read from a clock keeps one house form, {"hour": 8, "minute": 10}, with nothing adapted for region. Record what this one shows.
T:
{"hour": 9, "minute": 7}
